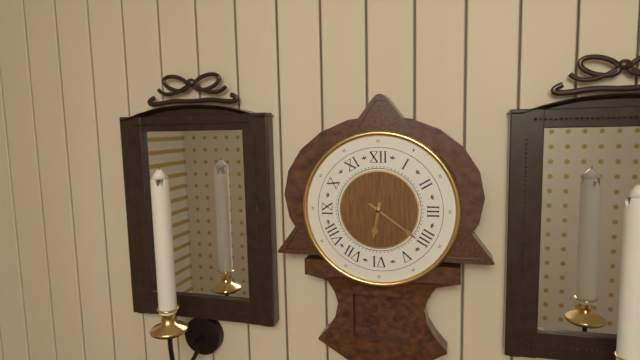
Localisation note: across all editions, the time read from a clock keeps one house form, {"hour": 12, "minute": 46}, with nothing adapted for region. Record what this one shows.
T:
{"hour": 6, "minute": 21}
